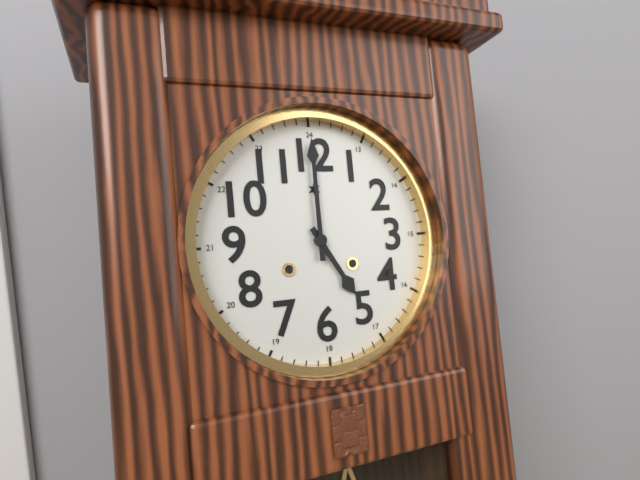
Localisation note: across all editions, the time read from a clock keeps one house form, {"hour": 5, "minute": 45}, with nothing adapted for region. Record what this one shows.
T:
{"hour": 5, "minute": 0}
